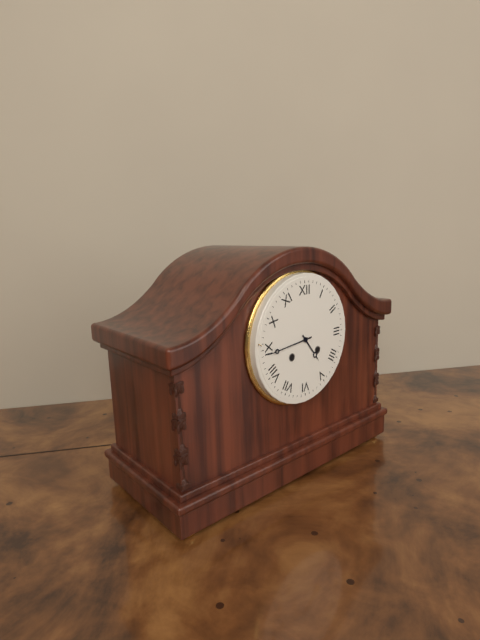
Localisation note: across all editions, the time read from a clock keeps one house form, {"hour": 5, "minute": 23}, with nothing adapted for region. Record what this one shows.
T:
{"hour": 4, "minute": 44}
